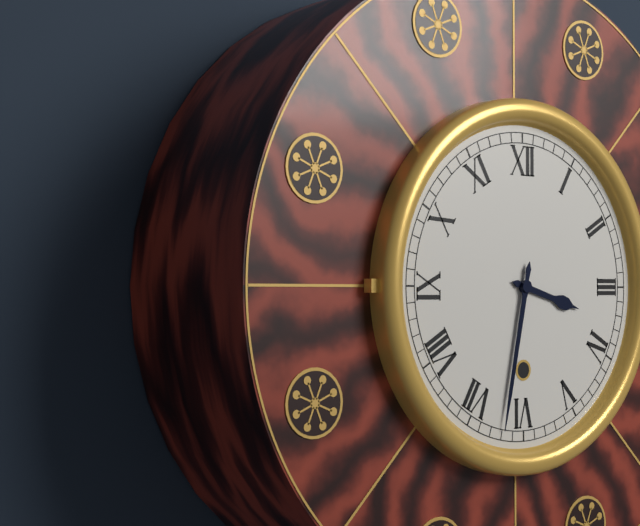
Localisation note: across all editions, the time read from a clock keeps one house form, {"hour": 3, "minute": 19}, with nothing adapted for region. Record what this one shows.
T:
{"hour": 3, "minute": 32}
